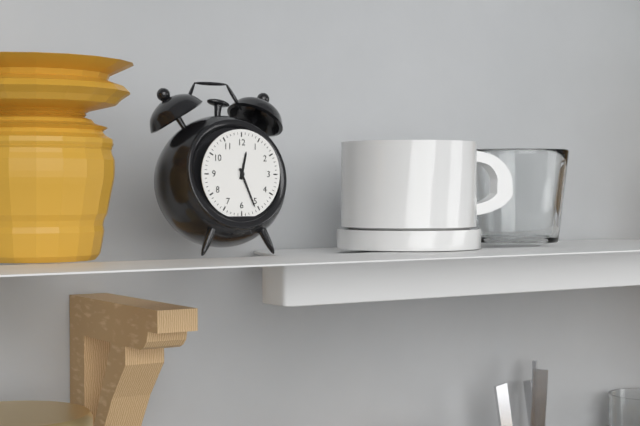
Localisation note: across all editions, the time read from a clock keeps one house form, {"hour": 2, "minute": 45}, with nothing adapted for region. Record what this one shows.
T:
{"hour": 12, "minute": 26}
